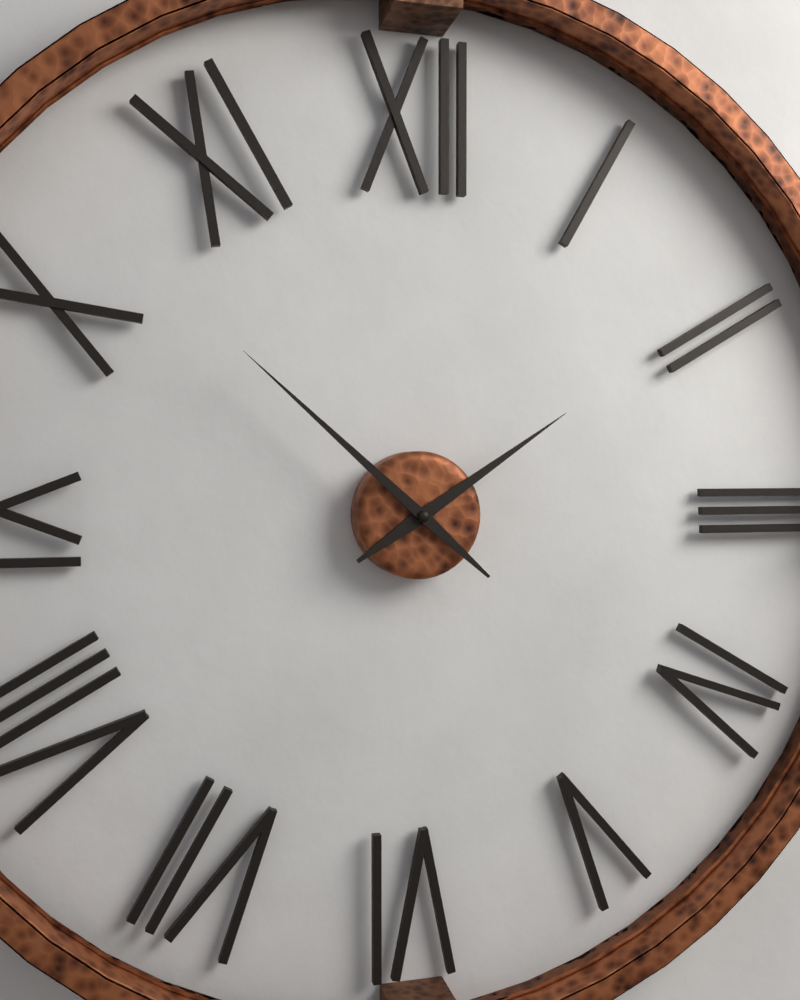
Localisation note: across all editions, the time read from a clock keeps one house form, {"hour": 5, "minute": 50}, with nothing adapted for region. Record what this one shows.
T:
{"hour": 1, "minute": 52}
